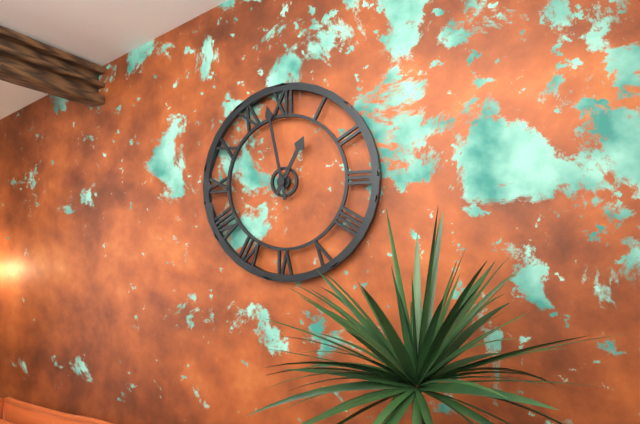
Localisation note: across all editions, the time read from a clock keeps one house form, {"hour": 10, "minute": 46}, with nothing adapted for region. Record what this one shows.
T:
{"hour": 12, "minute": 58}
